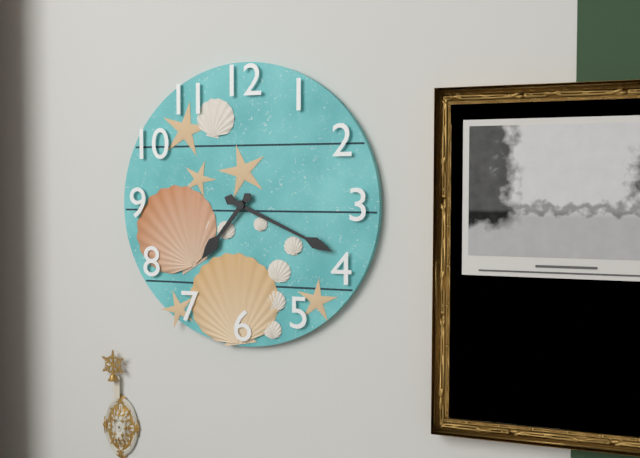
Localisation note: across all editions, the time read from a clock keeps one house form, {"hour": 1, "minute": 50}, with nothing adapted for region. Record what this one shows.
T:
{"hour": 7, "minute": 19}
